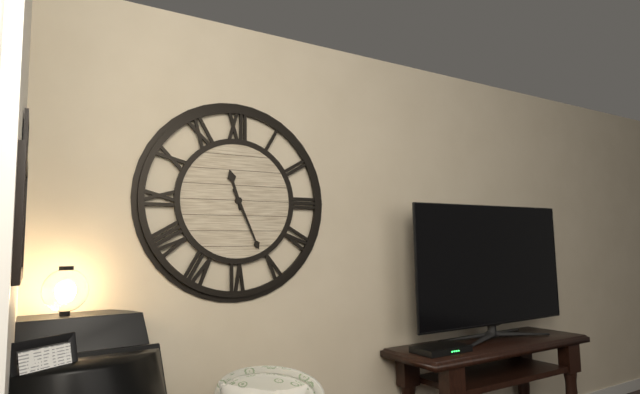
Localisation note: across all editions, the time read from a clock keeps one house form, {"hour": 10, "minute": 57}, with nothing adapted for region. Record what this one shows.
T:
{"hour": 11, "minute": 26}
